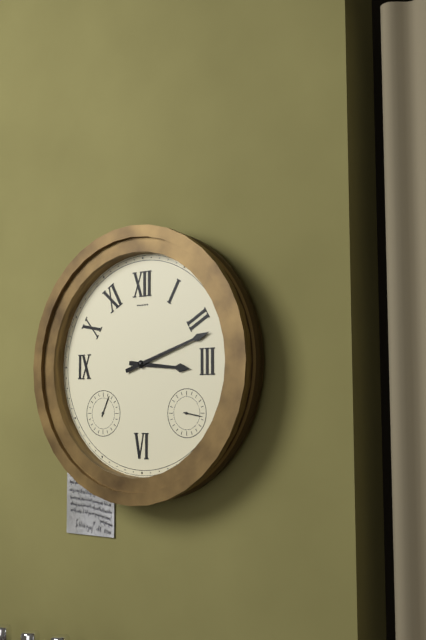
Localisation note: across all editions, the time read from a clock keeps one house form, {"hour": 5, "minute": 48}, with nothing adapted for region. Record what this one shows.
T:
{"hour": 3, "minute": 12}
